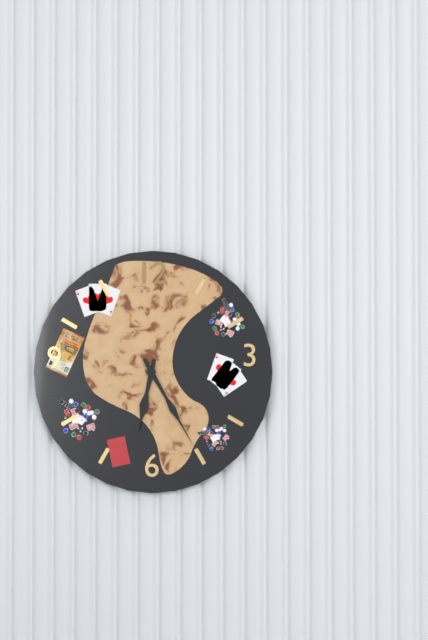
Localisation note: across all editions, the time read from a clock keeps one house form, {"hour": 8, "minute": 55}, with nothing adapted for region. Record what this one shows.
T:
{"hour": 6, "minute": 25}
